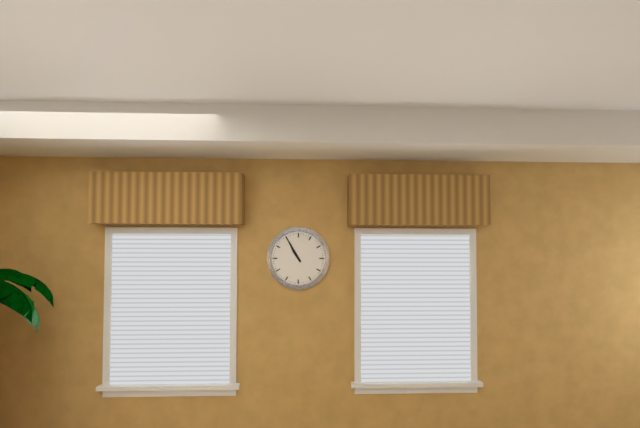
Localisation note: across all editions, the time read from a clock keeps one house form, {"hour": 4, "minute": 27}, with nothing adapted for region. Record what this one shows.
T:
{"hour": 10, "minute": 55}
